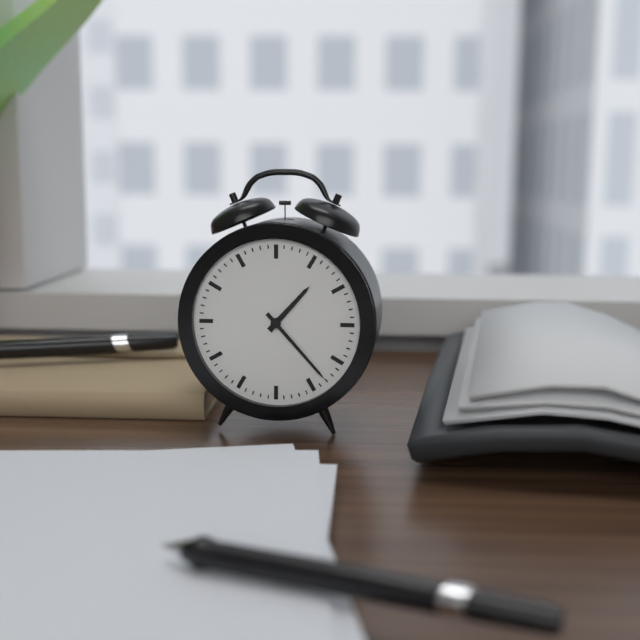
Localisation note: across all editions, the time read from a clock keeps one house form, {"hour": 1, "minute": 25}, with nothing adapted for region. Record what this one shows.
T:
{"hour": 1, "minute": 23}
